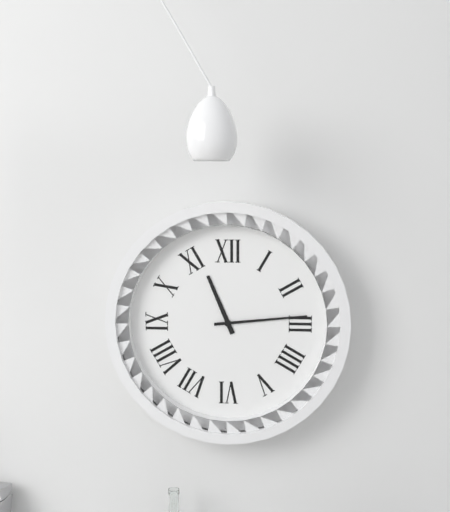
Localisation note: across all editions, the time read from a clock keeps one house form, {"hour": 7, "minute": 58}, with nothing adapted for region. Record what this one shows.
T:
{"hour": 11, "minute": 14}
